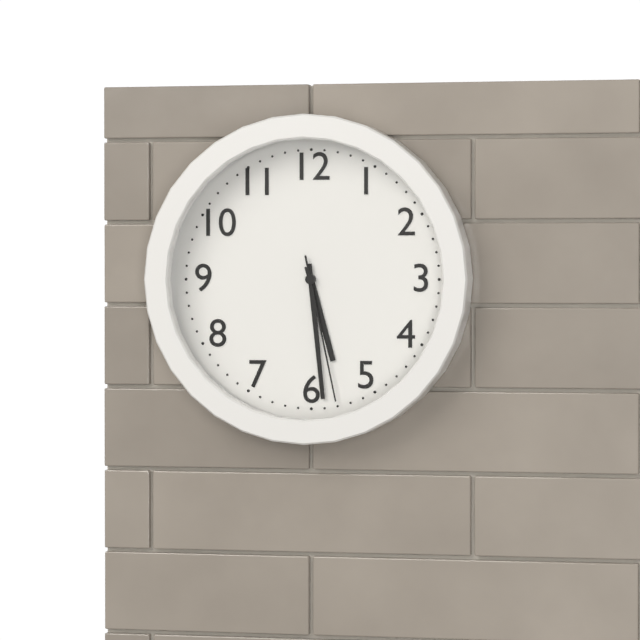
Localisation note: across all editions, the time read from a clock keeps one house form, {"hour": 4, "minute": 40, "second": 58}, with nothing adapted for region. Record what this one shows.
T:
{"hour": 5, "minute": 29, "second": 28}
